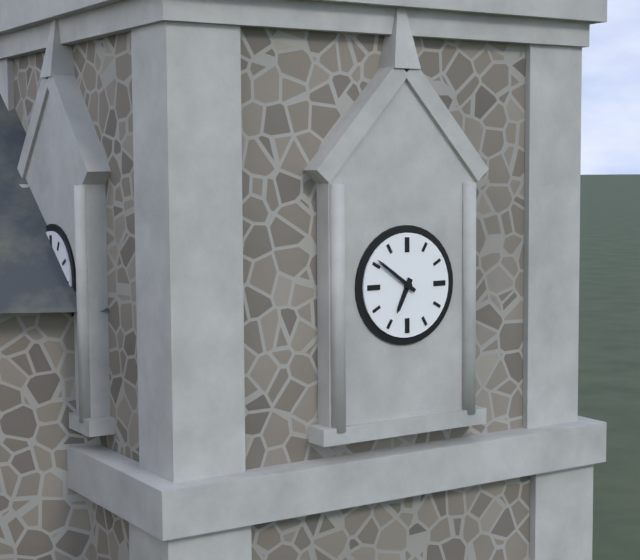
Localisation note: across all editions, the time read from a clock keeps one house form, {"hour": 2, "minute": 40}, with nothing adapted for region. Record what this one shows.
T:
{"hour": 6, "minute": 51}
